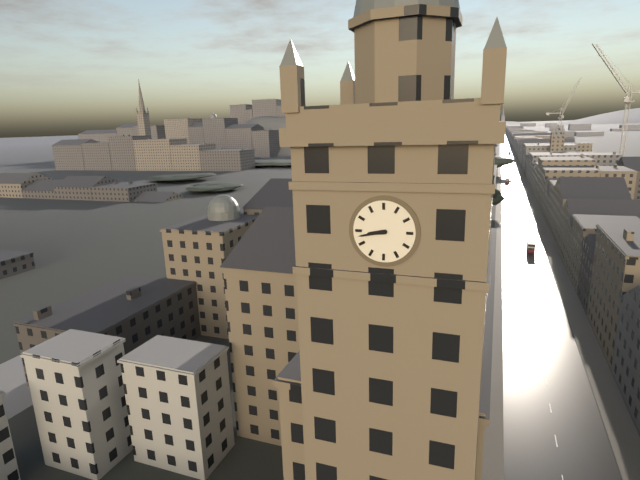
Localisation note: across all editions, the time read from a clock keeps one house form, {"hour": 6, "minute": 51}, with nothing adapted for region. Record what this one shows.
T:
{"hour": 8, "minute": 43}
